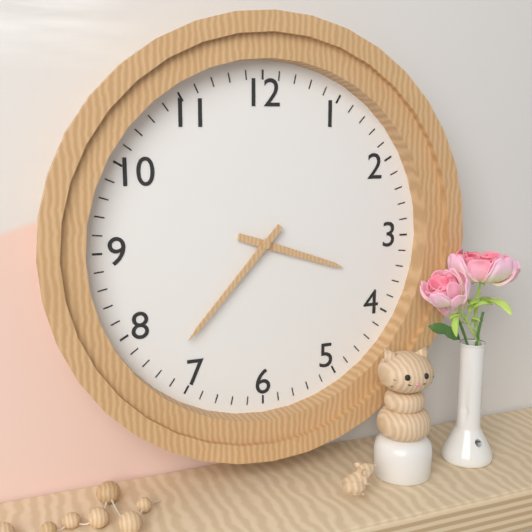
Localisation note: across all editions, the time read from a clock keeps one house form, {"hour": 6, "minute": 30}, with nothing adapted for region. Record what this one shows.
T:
{"hour": 3, "minute": 37}
